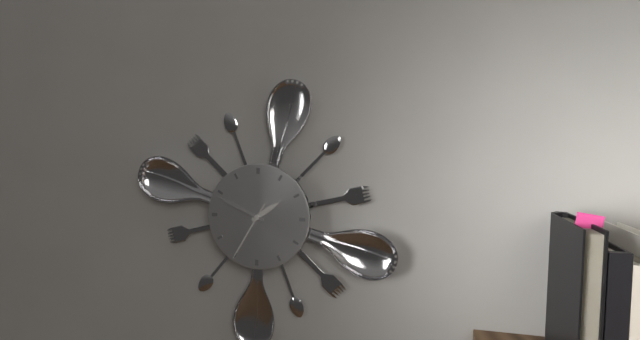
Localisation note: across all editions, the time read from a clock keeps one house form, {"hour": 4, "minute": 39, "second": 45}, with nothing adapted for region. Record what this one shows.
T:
{"hour": 1, "minute": 49, "second": 35}
